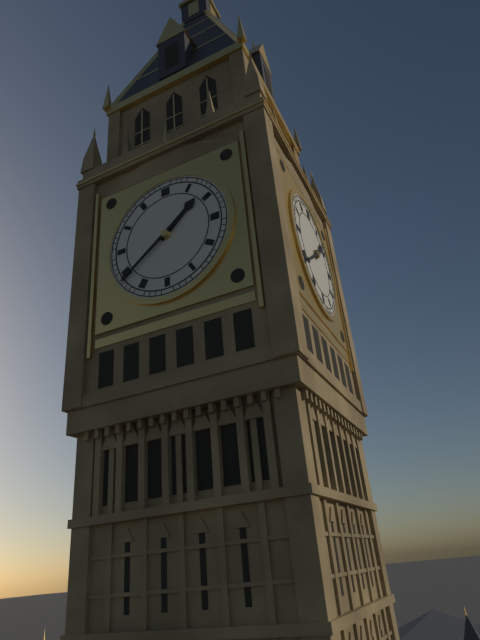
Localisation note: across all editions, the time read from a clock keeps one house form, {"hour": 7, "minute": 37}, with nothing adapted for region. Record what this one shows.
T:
{"hour": 1, "minute": 39}
